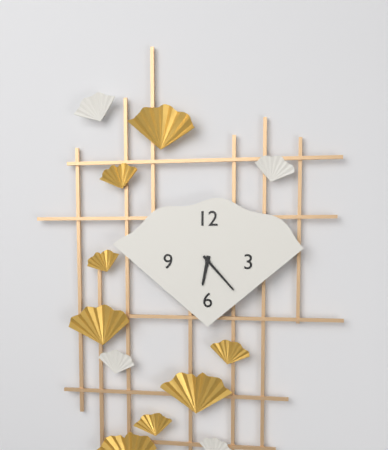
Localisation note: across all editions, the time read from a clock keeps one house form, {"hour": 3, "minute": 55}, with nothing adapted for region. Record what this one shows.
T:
{"hour": 6, "minute": 23}
